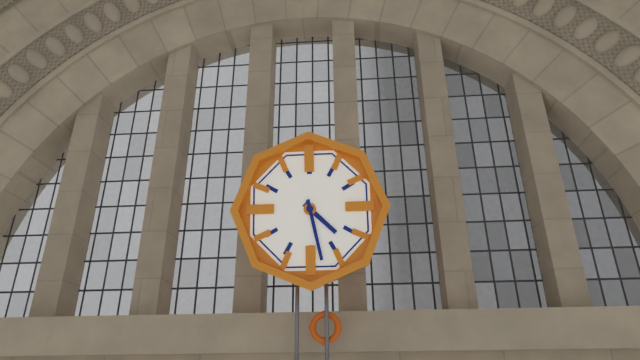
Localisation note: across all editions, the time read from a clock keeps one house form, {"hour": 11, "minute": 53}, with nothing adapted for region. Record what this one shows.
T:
{"hour": 4, "minute": 28}
